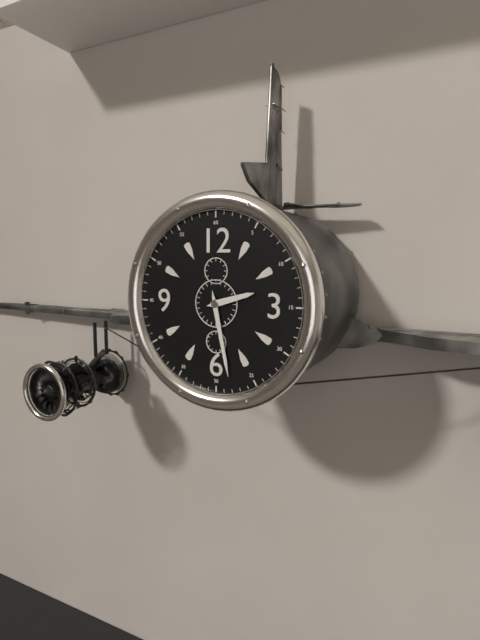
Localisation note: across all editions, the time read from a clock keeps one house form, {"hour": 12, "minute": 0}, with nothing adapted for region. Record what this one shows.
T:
{"hour": 2, "minute": 28}
